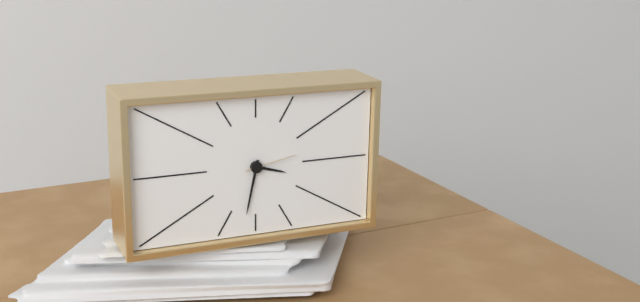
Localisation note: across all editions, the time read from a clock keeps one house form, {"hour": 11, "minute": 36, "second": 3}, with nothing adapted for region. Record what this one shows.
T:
{"hour": 3, "minute": 32, "second": 13}
